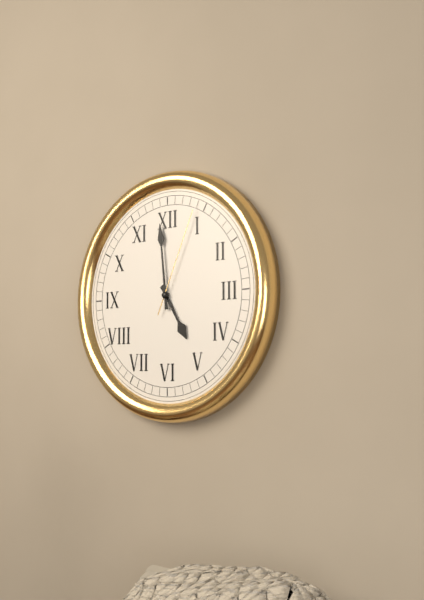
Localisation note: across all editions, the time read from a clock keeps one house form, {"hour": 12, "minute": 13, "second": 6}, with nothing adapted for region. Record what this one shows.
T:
{"hour": 4, "minute": 59, "second": 4}
